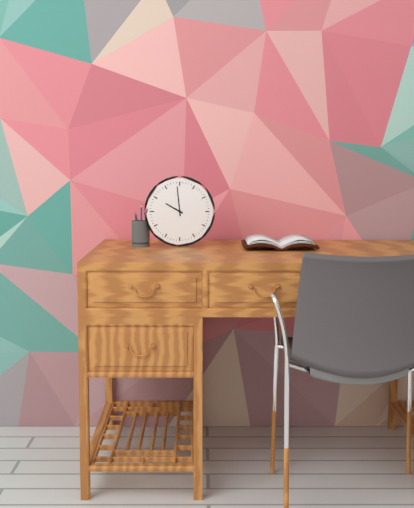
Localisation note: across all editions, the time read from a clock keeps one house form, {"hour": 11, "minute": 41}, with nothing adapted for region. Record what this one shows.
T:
{"hour": 9, "minute": 59}
